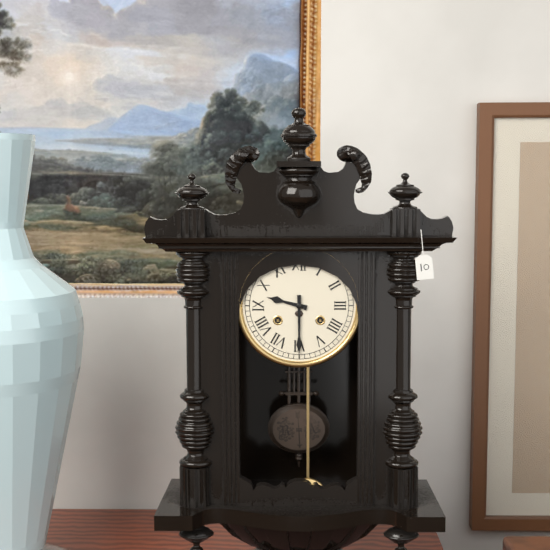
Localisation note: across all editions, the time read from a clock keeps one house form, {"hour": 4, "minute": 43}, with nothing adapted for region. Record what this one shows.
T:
{"hour": 9, "minute": 30}
